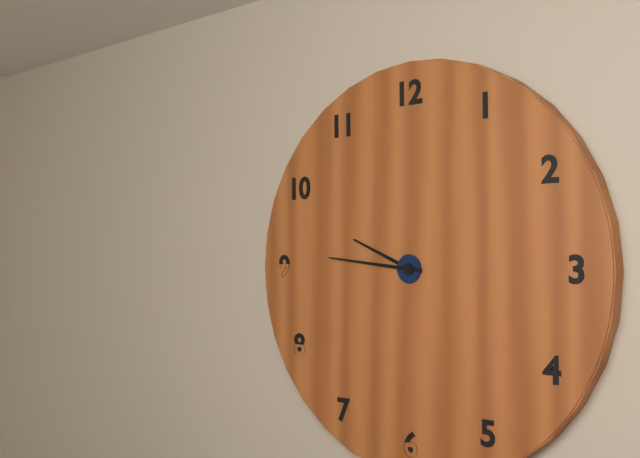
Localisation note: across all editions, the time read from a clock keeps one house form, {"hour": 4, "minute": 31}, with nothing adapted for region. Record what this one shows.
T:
{"hour": 9, "minute": 46}
